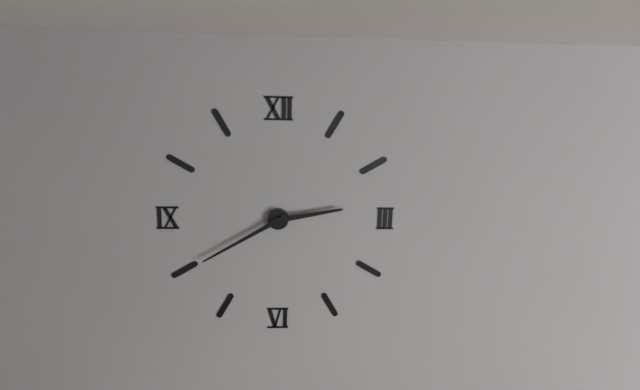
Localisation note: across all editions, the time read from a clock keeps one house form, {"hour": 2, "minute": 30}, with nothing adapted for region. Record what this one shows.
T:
{"hour": 2, "minute": 40}
